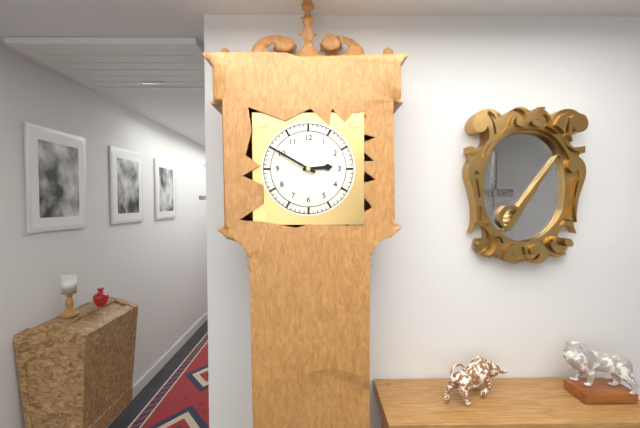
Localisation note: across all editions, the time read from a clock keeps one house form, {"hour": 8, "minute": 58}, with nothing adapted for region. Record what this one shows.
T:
{"hour": 2, "minute": 50}
